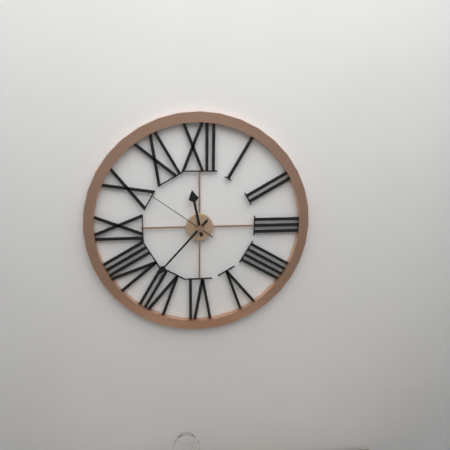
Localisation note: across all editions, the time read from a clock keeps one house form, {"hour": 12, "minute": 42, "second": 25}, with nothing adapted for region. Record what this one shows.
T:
{"hour": 11, "minute": 37, "second": 51}
